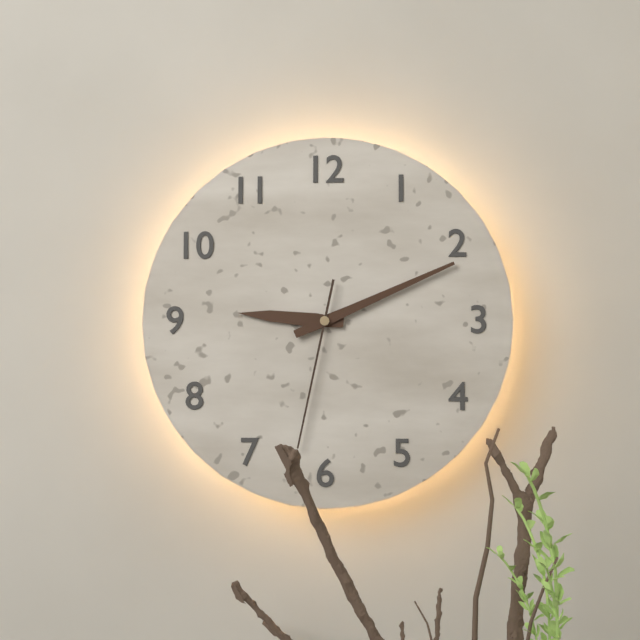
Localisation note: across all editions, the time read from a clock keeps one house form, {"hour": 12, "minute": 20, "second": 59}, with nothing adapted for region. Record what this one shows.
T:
{"hour": 9, "minute": 11, "second": 32}
